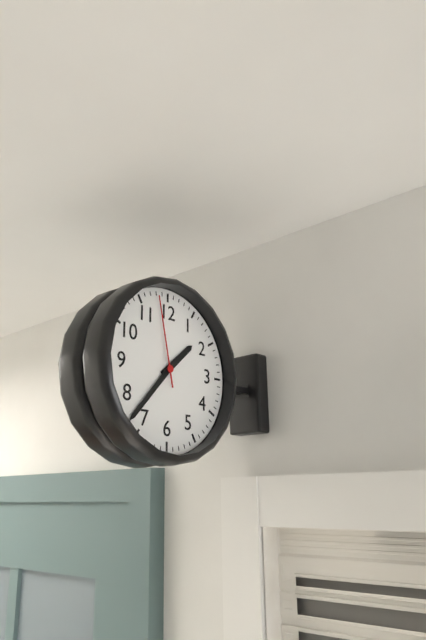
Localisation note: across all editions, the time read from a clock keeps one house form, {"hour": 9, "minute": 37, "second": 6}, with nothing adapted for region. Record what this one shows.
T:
{"hour": 1, "minute": 37, "second": 58}
